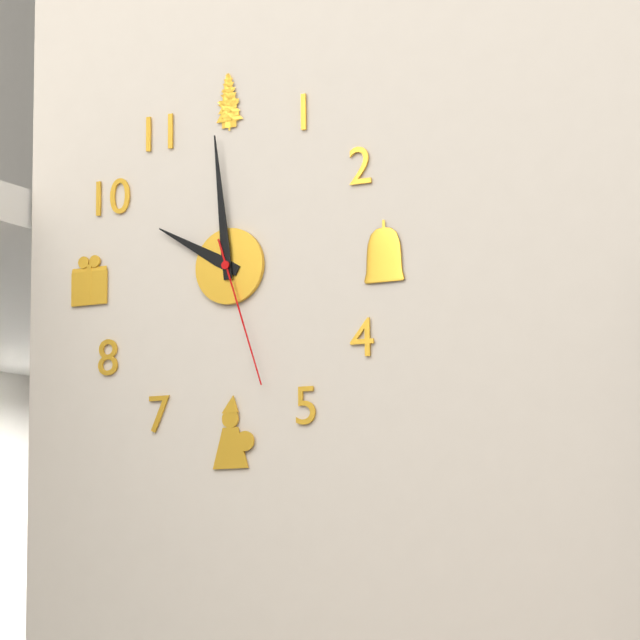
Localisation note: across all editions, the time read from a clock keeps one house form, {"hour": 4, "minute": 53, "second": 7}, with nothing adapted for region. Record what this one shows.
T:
{"hour": 9, "minute": 59, "second": 27}
